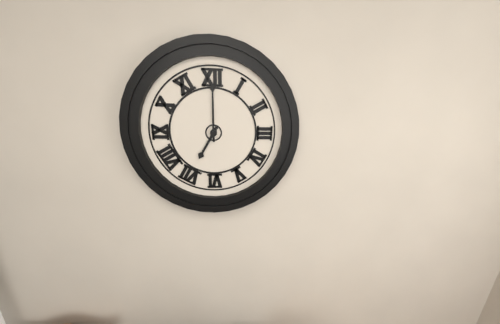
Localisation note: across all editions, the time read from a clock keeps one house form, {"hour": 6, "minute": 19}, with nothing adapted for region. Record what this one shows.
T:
{"hour": 7, "minute": 0}
